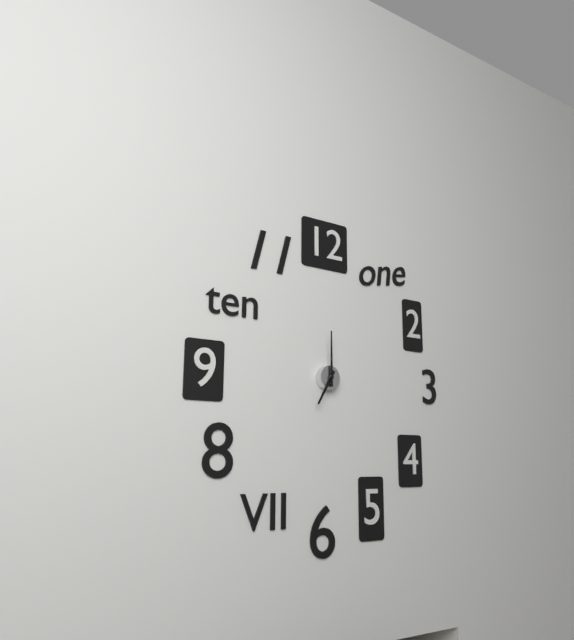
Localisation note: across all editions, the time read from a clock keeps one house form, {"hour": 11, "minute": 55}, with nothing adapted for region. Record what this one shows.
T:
{"hour": 7, "minute": 0}
